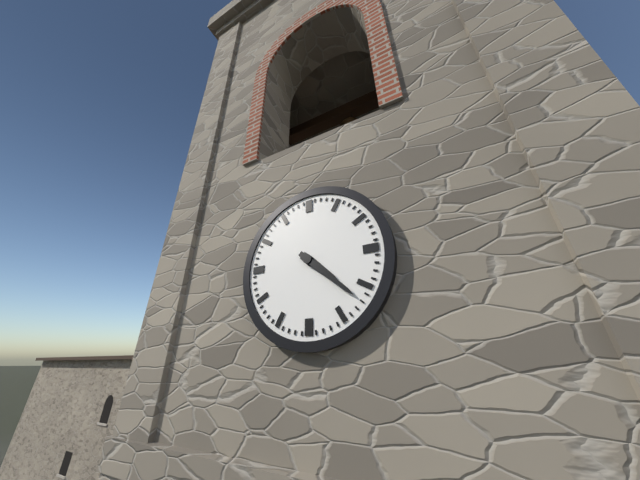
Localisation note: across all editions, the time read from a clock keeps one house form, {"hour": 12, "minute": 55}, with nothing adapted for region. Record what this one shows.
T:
{"hour": 4, "minute": 22}
